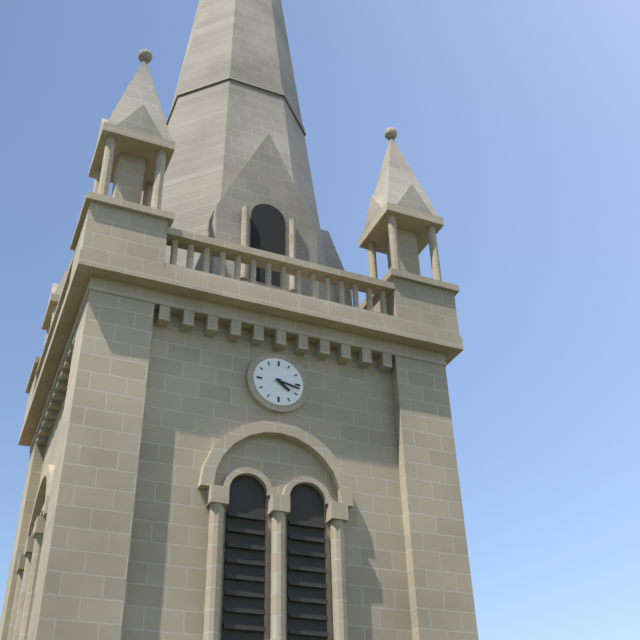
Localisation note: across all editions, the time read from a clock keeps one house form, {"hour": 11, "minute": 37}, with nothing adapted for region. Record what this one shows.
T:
{"hour": 4, "minute": 17}
